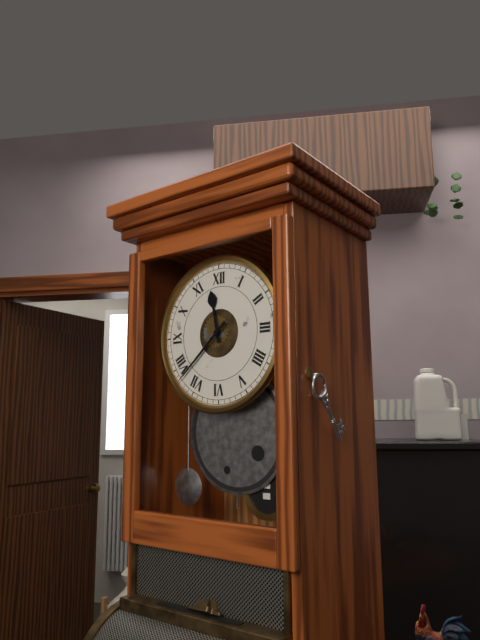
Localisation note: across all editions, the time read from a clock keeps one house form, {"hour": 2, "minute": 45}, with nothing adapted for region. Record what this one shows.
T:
{"hour": 11, "minute": 38}
